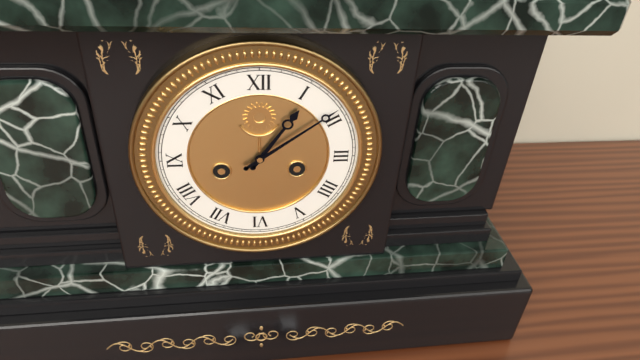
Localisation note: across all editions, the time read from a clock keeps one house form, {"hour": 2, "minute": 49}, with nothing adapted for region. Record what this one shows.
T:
{"hour": 1, "minute": 9}
